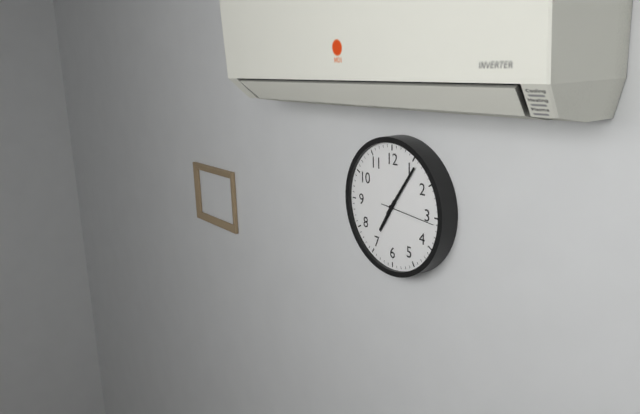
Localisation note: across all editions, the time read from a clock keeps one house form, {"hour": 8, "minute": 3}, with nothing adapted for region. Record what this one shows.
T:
{"hour": 7, "minute": 6}
